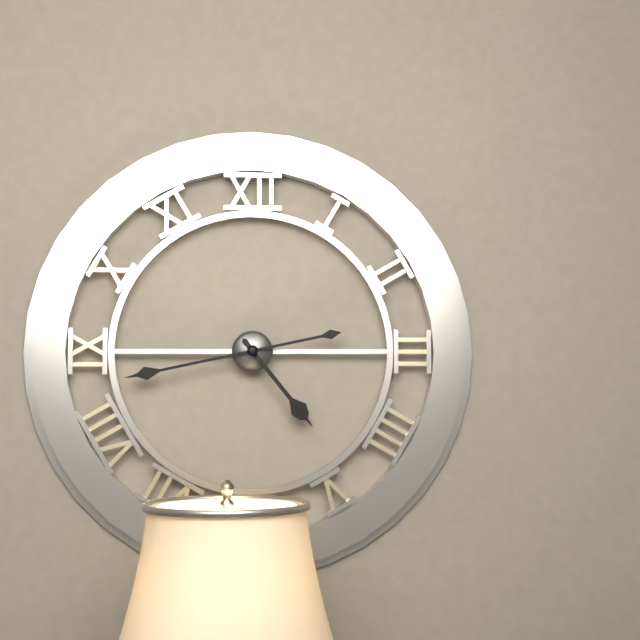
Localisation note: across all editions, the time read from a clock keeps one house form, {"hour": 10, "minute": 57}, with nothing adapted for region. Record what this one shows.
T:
{"hour": 4, "minute": 43}
